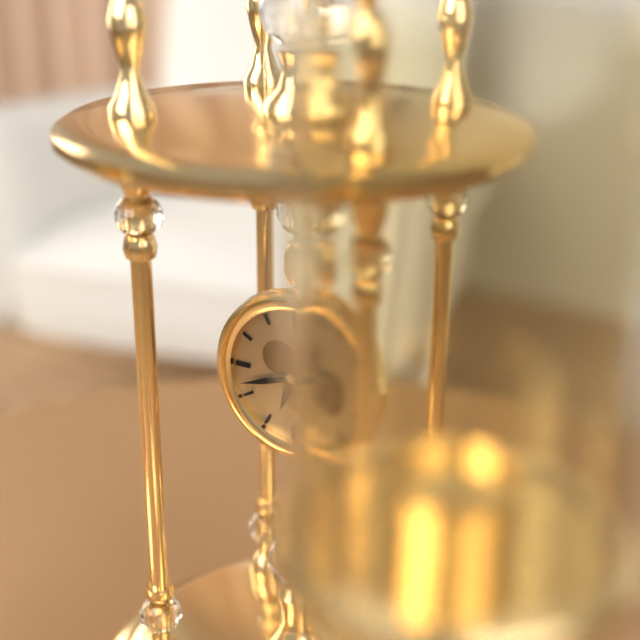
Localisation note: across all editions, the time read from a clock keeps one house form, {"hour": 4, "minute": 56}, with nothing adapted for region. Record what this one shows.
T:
{"hour": 6, "minute": 42}
